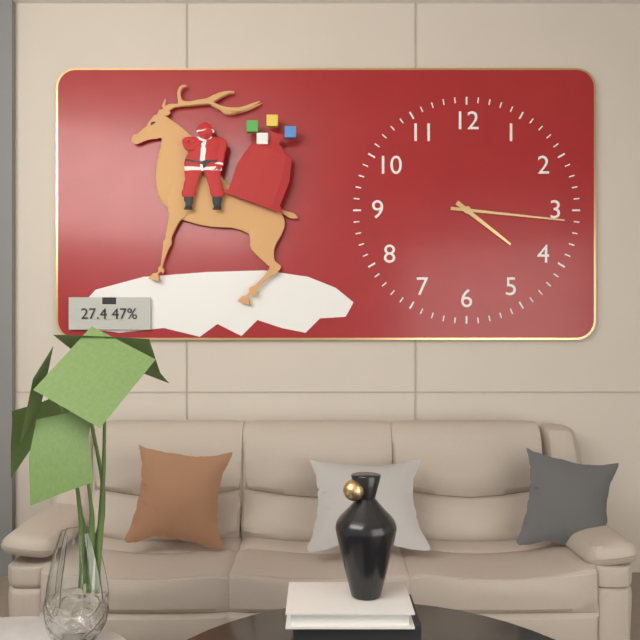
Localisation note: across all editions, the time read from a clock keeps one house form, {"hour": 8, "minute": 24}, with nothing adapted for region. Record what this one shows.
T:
{"hour": 4, "minute": 16}
